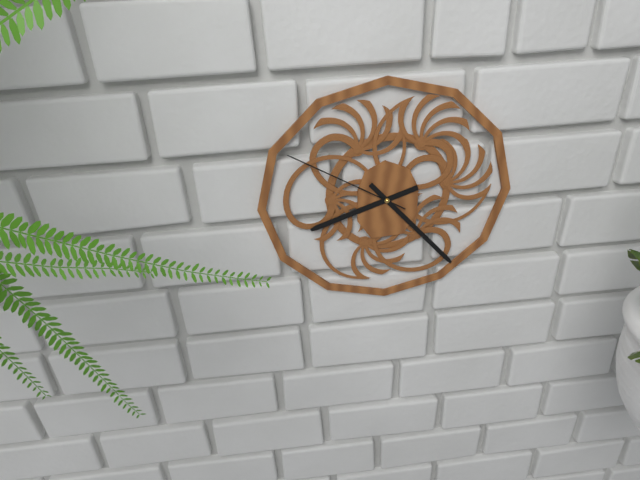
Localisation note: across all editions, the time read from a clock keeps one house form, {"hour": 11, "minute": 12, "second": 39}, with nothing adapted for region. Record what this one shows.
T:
{"hour": 8, "minute": 23, "second": 50}
